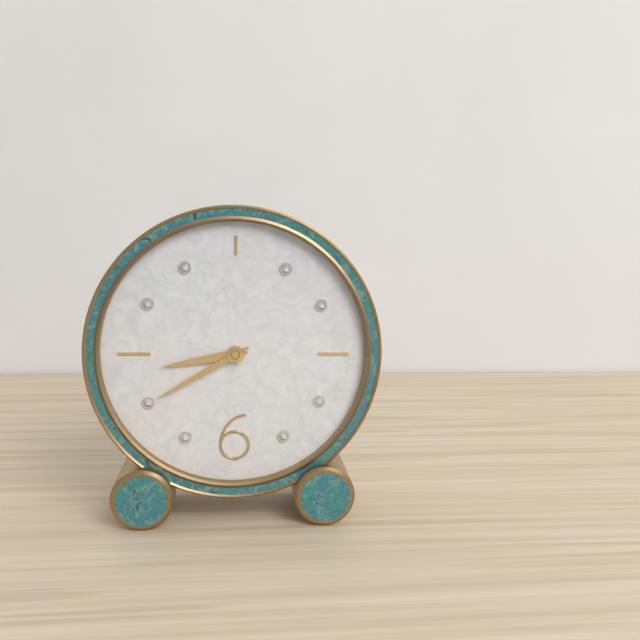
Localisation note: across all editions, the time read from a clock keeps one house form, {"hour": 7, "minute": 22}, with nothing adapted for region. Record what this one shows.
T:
{"hour": 8, "minute": 40}
